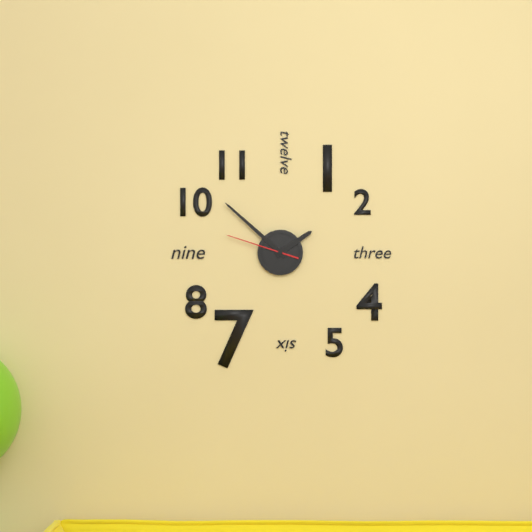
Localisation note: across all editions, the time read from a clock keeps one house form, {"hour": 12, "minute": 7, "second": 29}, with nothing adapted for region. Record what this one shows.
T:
{"hour": 1, "minute": 52, "second": 48}
